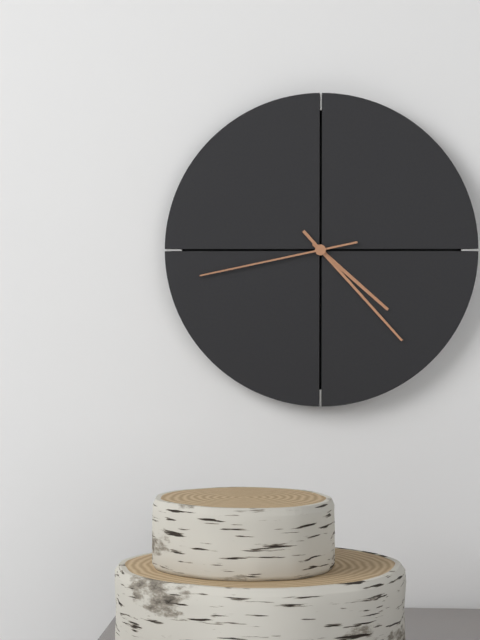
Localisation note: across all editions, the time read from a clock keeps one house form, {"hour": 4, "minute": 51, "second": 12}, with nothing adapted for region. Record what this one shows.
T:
{"hour": 4, "minute": 23, "second": 43}
